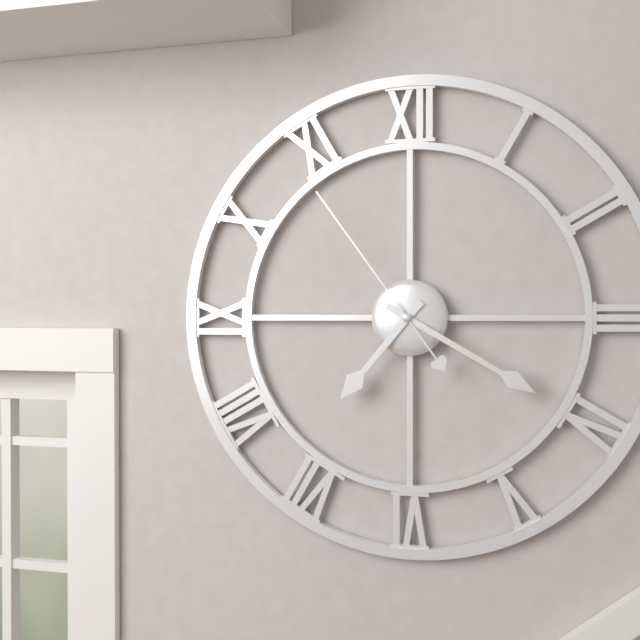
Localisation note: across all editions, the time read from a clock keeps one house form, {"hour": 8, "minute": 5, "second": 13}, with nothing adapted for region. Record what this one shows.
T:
{"hour": 7, "minute": 20, "second": 54}
